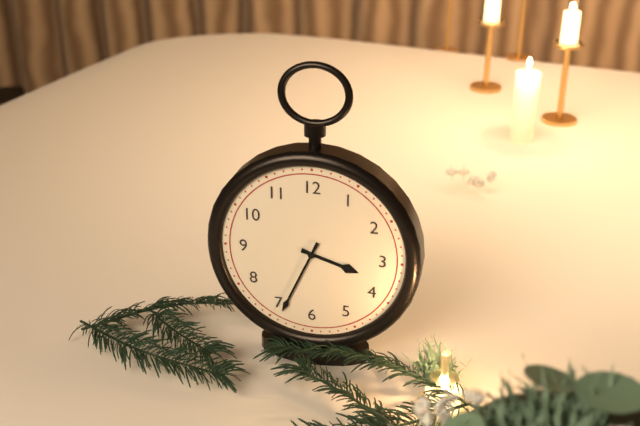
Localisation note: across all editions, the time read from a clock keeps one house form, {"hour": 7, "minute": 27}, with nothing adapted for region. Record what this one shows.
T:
{"hour": 3, "minute": 34}
